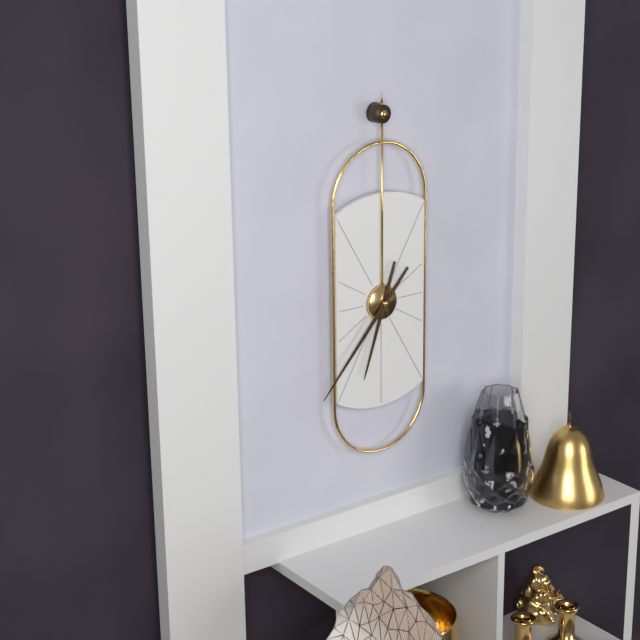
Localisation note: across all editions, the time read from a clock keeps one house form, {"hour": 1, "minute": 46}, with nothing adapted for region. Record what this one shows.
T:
{"hour": 6, "minute": 37}
